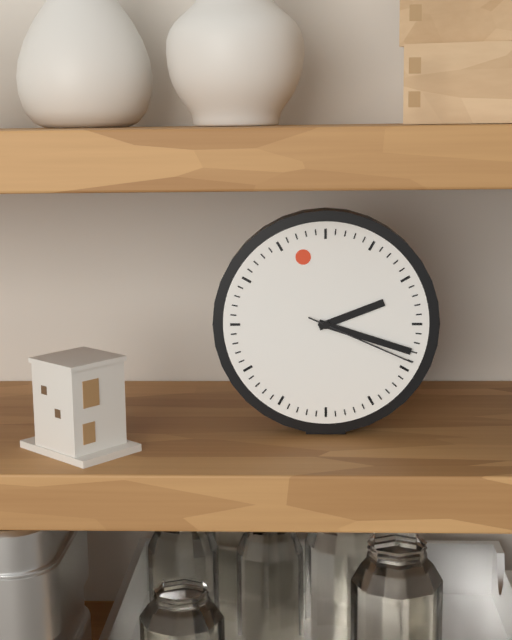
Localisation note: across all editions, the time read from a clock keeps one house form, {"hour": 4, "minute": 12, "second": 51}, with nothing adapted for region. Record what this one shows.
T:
{"hour": 2, "minute": 18, "second": 19}
